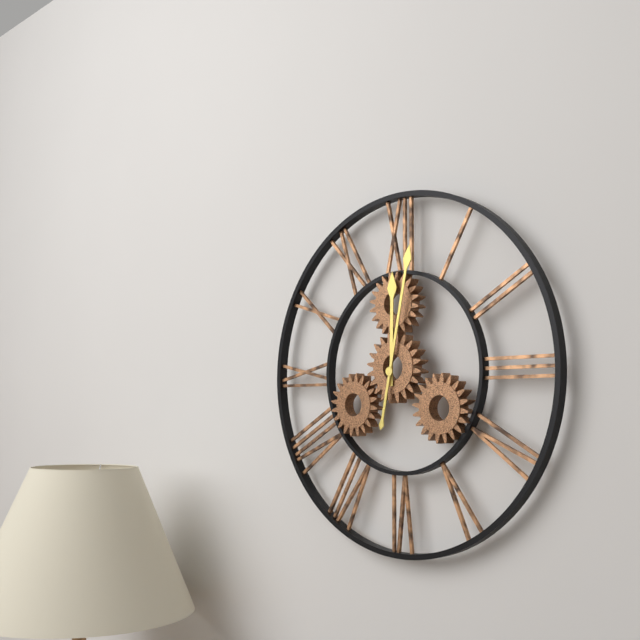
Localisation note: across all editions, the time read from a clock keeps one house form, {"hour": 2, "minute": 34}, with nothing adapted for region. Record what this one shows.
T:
{"hour": 12, "minute": 2}
